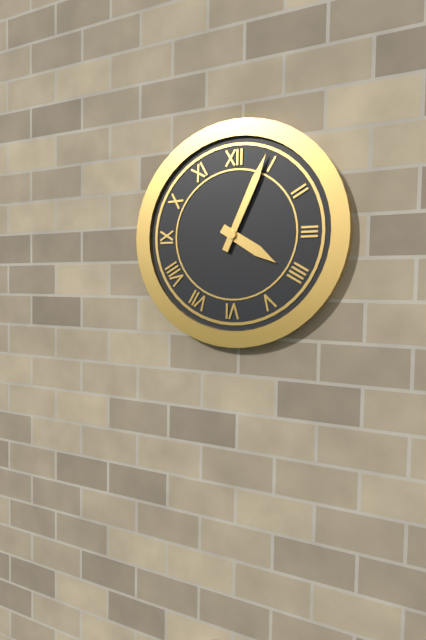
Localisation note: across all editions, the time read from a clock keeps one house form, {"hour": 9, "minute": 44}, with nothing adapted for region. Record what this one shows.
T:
{"hour": 4, "minute": 4}
